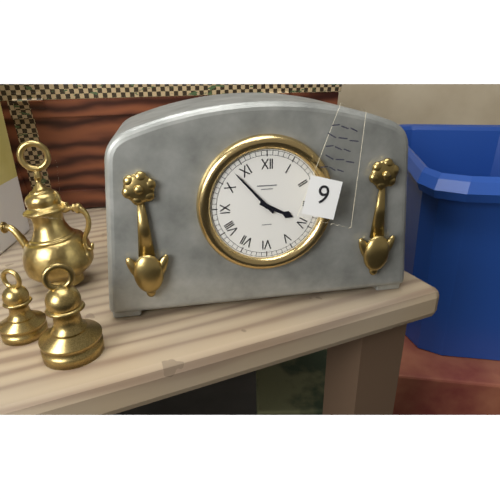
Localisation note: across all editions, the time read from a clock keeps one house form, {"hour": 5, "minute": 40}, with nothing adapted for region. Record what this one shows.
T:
{"hour": 3, "minute": 53}
